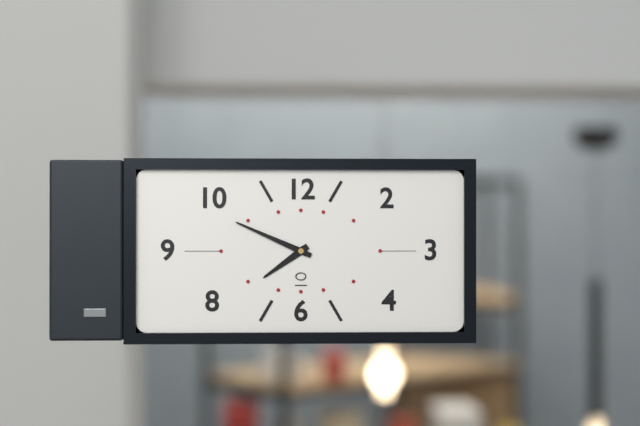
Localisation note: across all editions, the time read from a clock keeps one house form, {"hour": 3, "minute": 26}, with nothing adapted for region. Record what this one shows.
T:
{"hour": 7, "minute": 49}
